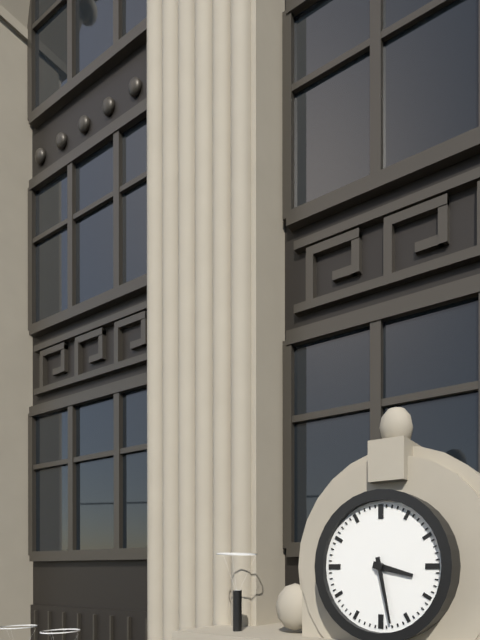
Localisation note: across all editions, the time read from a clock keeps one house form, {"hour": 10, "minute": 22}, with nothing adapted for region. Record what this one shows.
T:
{"hour": 3, "minute": 28}
